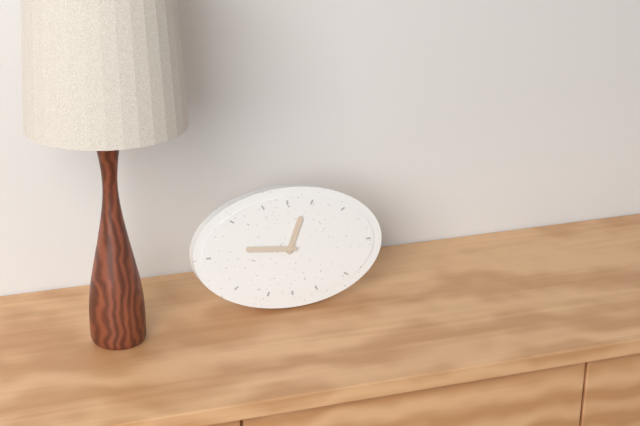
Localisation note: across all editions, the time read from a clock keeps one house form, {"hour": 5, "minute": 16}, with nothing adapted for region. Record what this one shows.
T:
{"hour": 12, "minute": 46}
